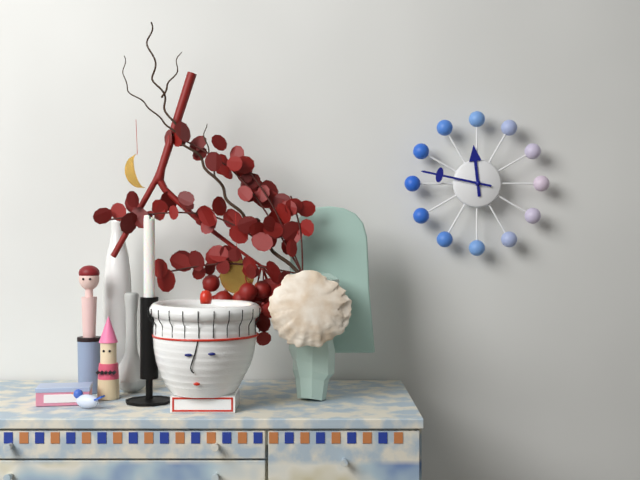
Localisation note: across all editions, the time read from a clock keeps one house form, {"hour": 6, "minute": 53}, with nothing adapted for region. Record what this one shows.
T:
{"hour": 11, "minute": 47}
